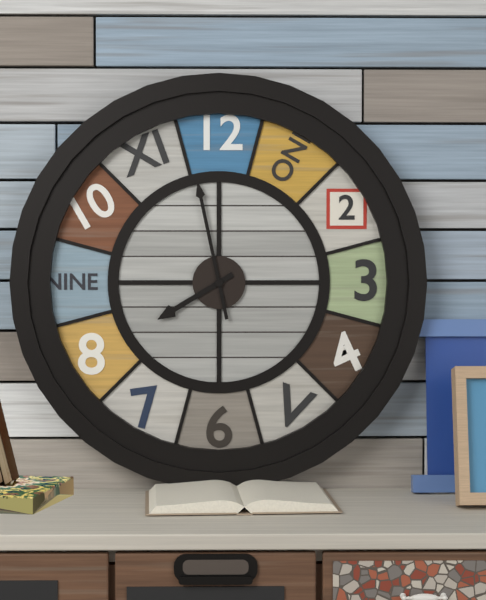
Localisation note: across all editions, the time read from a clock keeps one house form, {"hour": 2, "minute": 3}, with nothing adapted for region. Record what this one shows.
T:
{"hour": 7, "minute": 58}
